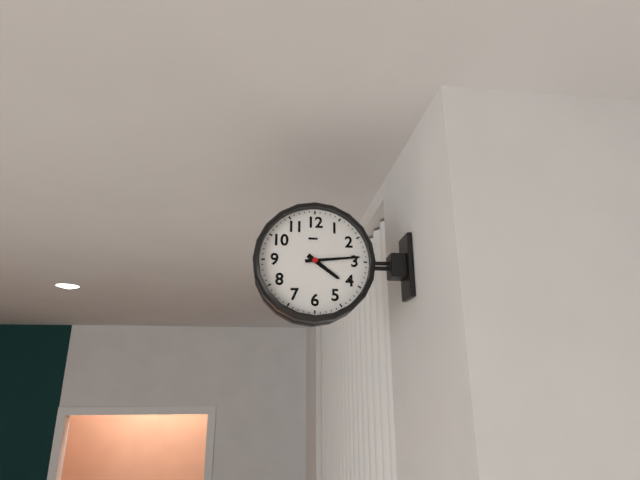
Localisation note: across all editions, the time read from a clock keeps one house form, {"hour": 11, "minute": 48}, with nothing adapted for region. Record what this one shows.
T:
{"hour": 4, "minute": 14}
